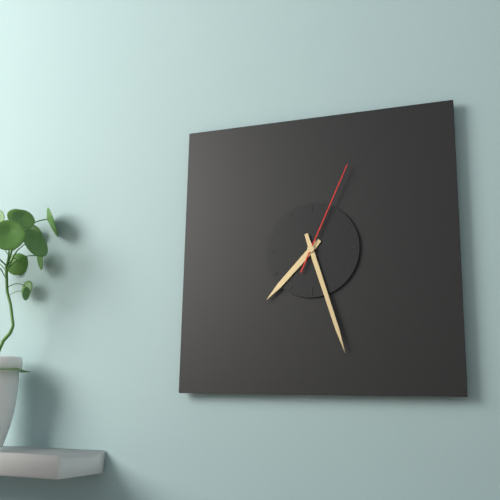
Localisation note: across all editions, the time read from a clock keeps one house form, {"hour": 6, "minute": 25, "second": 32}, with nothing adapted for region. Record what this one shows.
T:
{"hour": 7, "minute": 27, "second": 4}
